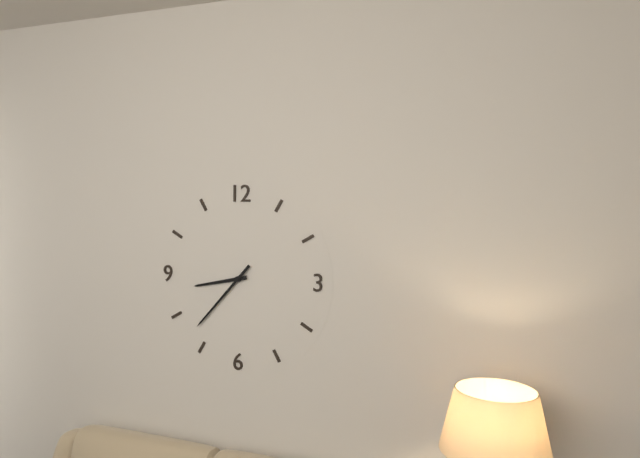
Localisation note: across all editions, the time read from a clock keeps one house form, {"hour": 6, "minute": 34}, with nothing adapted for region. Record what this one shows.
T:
{"hour": 8, "minute": 37}
